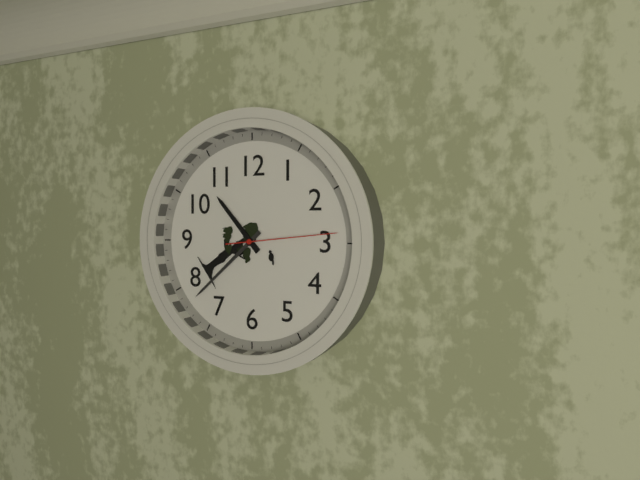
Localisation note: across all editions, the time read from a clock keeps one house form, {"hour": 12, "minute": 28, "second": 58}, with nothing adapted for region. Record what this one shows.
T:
{"hour": 10, "minute": 38, "second": 14}
